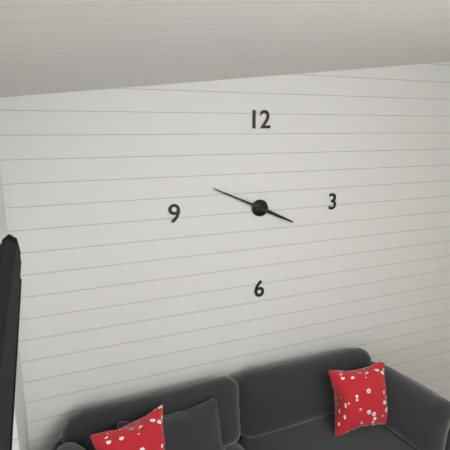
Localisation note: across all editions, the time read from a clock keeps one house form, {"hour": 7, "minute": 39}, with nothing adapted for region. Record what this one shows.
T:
{"hour": 3, "minute": 49}
